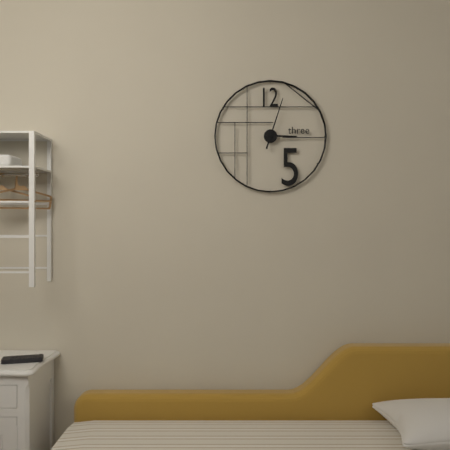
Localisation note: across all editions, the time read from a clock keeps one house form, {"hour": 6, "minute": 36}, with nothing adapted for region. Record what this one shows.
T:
{"hour": 3, "minute": 3}
